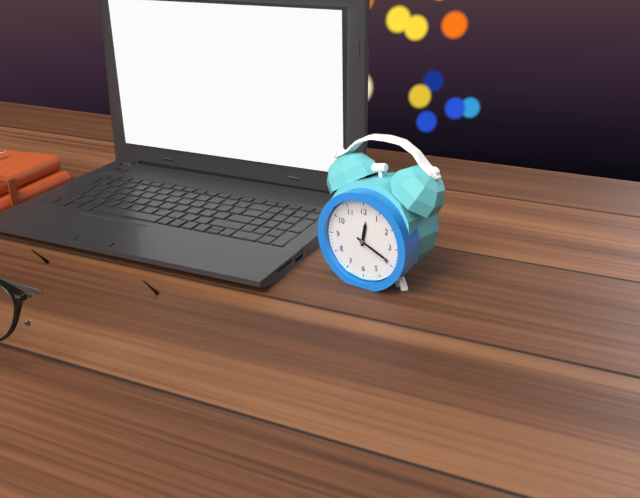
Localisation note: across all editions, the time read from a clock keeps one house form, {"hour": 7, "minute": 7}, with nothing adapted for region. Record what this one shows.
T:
{"hour": 12, "minute": 19}
